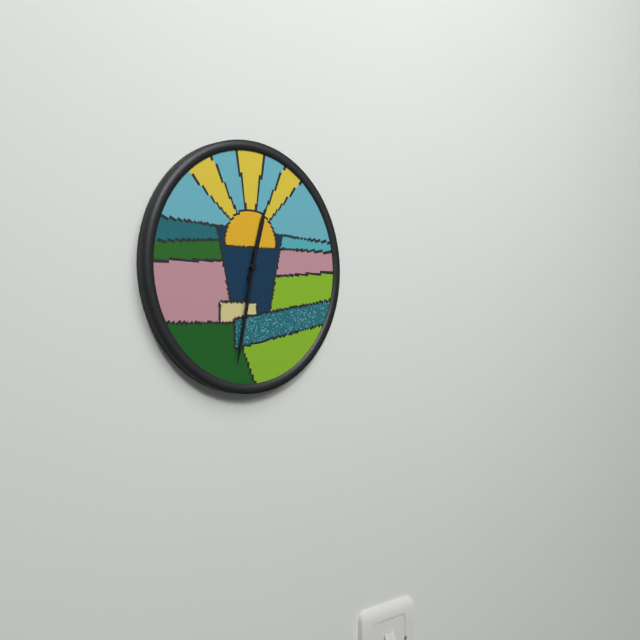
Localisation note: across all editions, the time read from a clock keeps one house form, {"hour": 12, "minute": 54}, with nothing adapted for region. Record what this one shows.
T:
{"hour": 12, "minute": 32}
